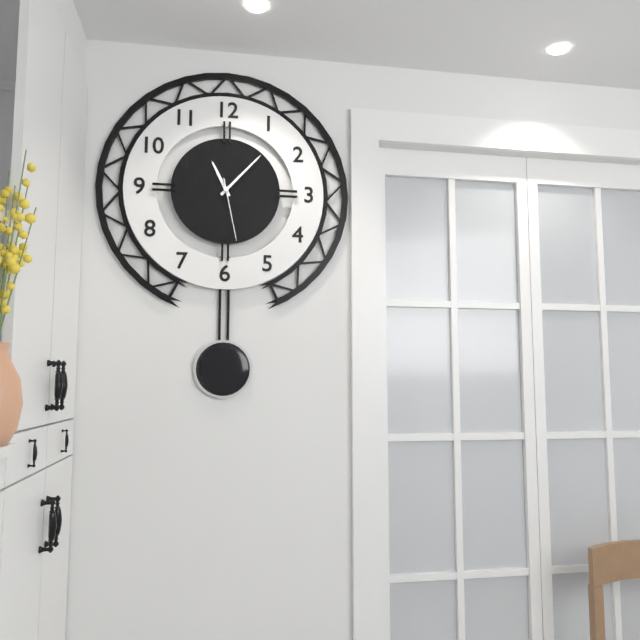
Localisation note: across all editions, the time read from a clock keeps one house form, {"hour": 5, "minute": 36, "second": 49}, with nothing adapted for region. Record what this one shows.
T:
{"hour": 11, "minute": 7, "second": 28}
